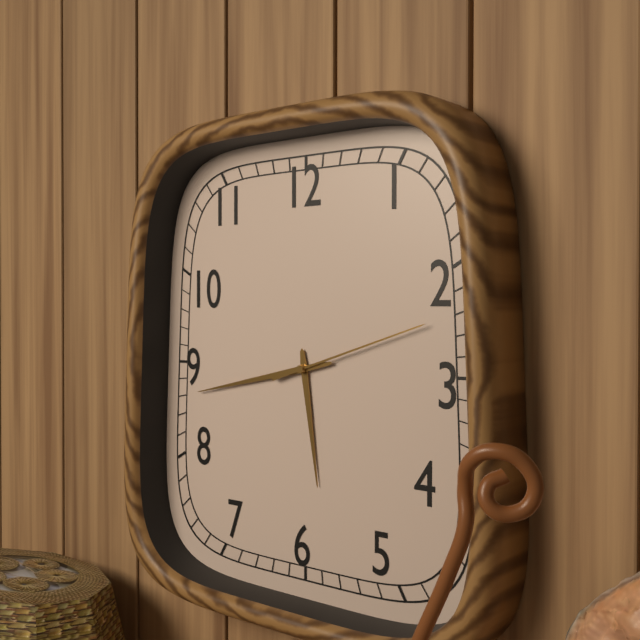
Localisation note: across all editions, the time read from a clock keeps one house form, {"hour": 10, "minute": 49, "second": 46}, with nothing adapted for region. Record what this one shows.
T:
{"hour": 5, "minute": 43, "second": 12}
